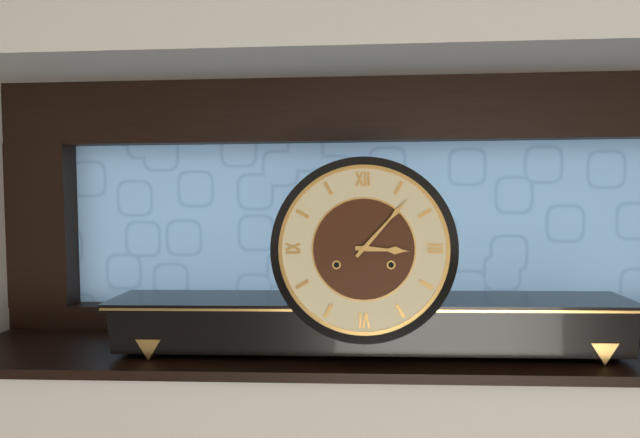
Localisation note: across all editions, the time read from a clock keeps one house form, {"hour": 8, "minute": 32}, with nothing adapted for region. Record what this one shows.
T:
{"hour": 3, "minute": 7}
